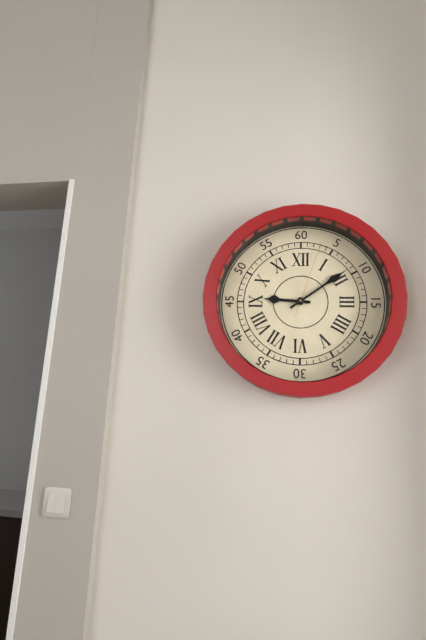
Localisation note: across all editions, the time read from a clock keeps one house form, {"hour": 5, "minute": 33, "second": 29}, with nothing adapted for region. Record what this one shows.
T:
{"hour": 9, "minute": 9, "second": 3}
